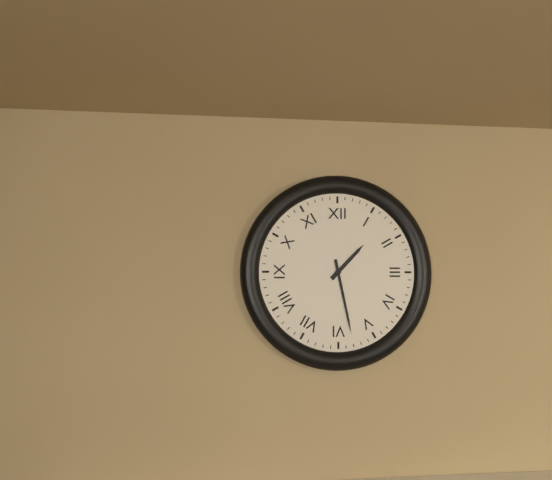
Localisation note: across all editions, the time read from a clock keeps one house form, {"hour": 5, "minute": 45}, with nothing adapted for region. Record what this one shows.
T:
{"hour": 1, "minute": 28}
